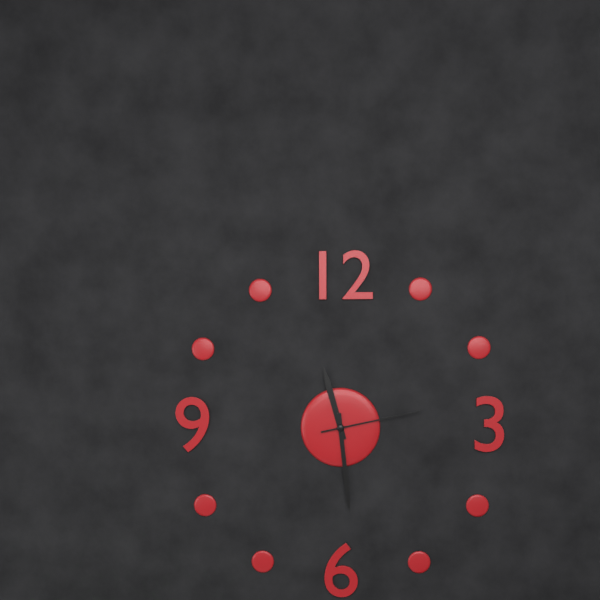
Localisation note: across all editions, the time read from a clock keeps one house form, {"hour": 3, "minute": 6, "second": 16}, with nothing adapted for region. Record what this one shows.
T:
{"hour": 11, "minute": 29, "second": 13}
